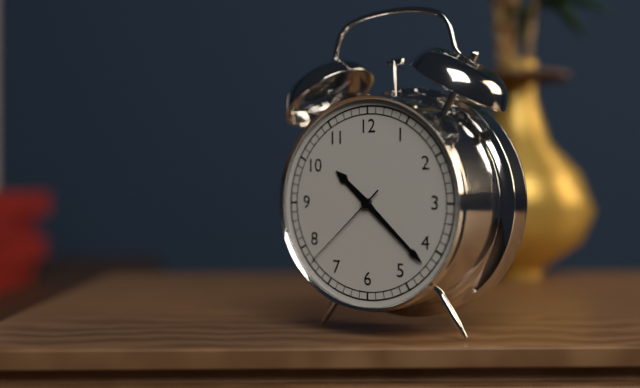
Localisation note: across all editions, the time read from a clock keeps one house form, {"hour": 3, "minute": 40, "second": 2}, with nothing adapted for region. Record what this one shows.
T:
{"hour": 10, "minute": 22, "second": 38}
